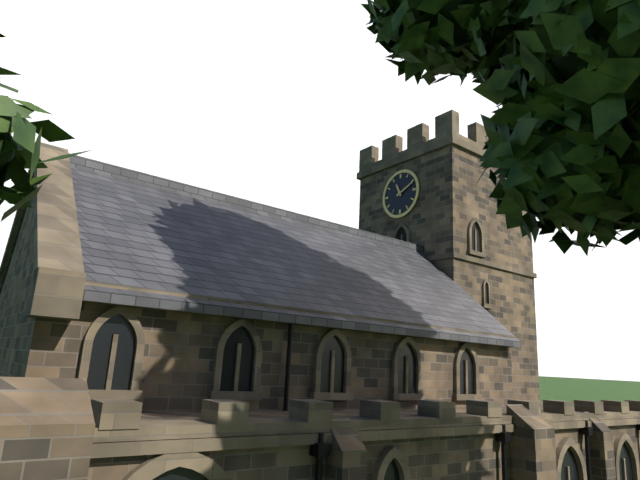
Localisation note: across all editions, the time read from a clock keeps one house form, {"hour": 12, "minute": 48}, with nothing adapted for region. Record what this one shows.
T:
{"hour": 11, "minute": 11}
